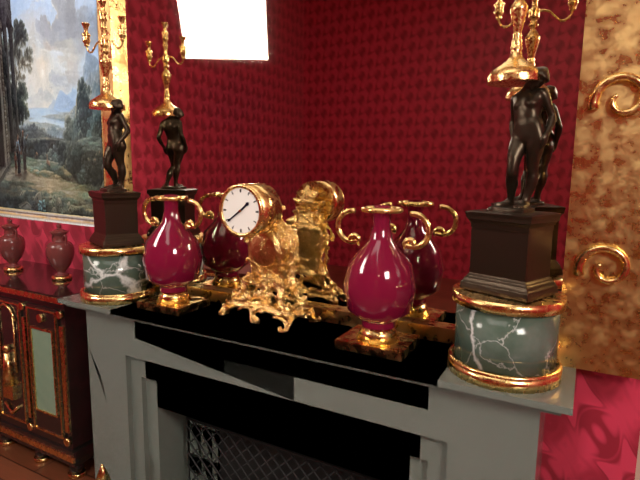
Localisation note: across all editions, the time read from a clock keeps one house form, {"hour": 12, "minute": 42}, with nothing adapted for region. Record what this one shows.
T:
{"hour": 1, "minute": 39}
